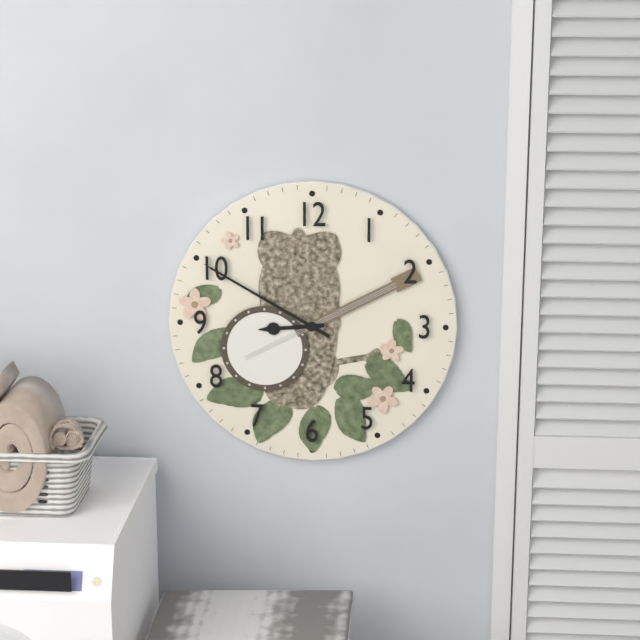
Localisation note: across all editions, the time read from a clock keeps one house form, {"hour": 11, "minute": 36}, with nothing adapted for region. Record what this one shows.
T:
{"hour": 8, "minute": 50}
